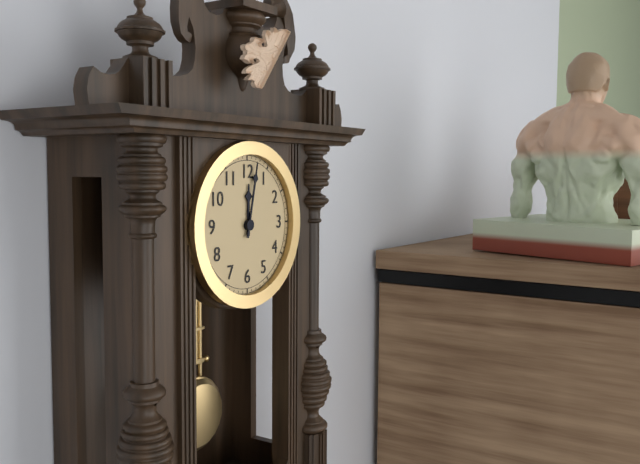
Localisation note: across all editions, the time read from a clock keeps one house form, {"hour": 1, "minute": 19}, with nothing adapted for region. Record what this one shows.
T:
{"hour": 12, "minute": 2}
